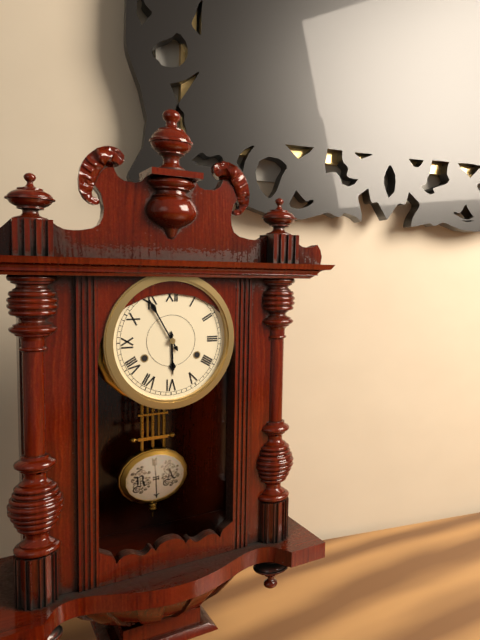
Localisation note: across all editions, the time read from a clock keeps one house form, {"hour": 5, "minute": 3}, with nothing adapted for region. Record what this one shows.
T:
{"hour": 5, "minute": 55}
